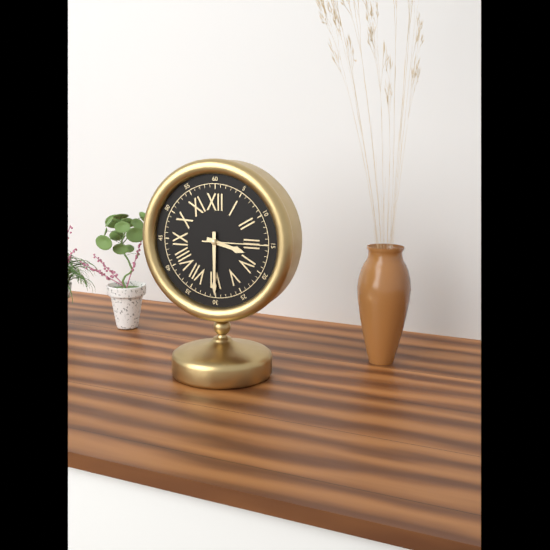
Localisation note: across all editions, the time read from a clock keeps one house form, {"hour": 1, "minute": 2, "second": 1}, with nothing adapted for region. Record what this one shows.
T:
{"hour": 3, "minute": 30, "second": 15}
